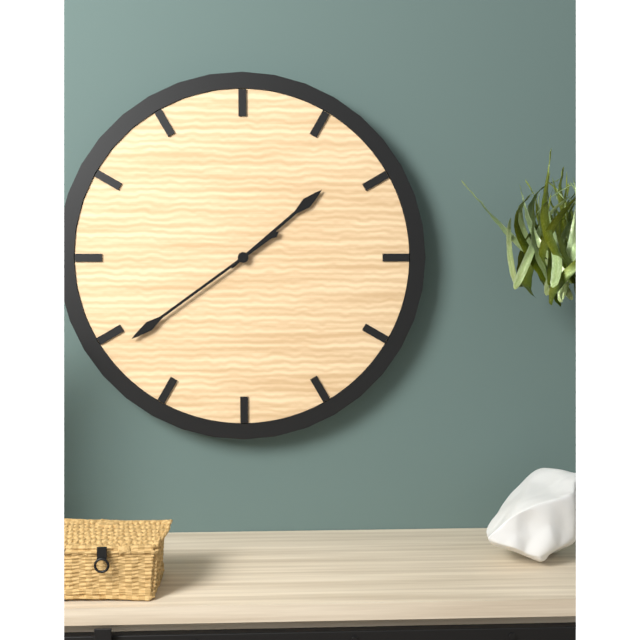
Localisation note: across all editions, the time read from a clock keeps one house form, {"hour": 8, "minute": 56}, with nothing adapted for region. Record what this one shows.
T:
{"hour": 1, "minute": 39}
